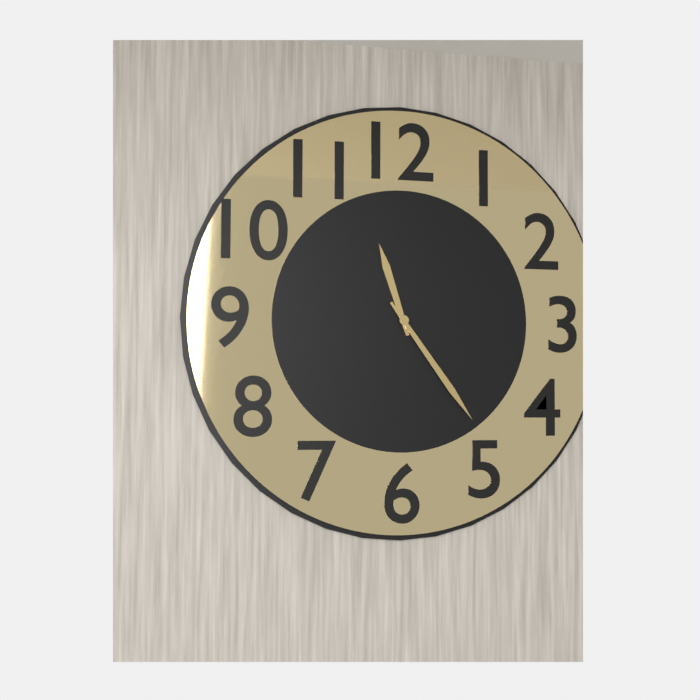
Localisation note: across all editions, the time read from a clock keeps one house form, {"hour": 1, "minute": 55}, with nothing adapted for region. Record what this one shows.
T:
{"hour": 11, "minute": 24}
